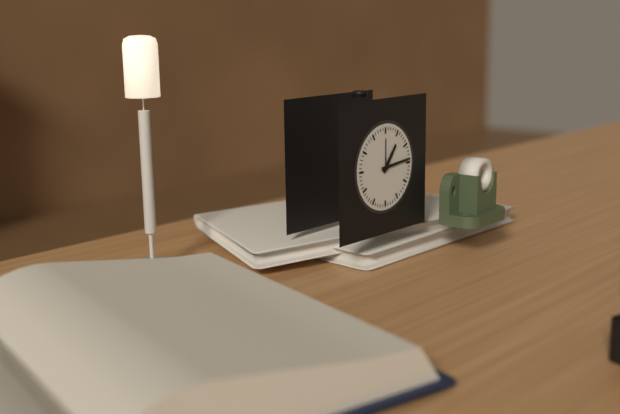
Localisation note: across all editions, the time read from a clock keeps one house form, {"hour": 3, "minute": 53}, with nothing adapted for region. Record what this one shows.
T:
{"hour": 1, "minute": 14}
